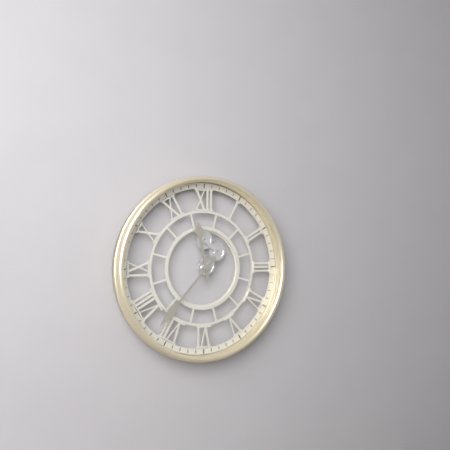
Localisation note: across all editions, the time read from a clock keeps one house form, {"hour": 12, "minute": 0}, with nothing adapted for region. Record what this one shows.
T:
{"hour": 11, "minute": 37}
